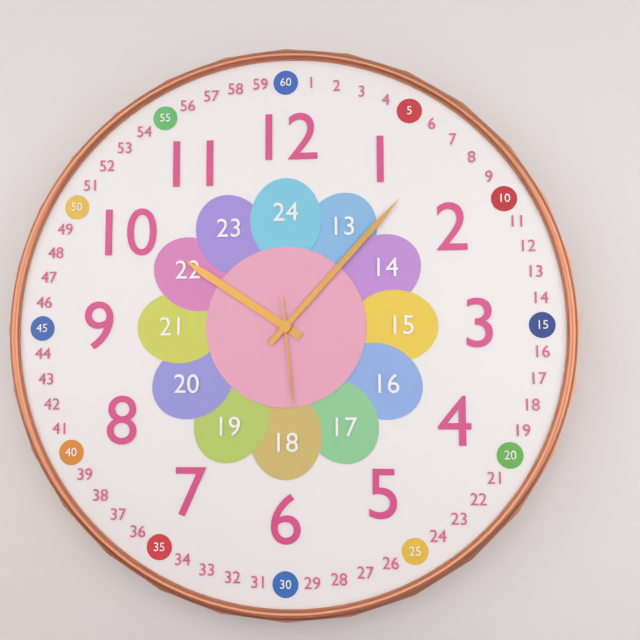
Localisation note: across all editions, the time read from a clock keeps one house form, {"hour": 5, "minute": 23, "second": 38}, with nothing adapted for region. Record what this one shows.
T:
{"hour": 10, "minute": 7, "second": 29}
